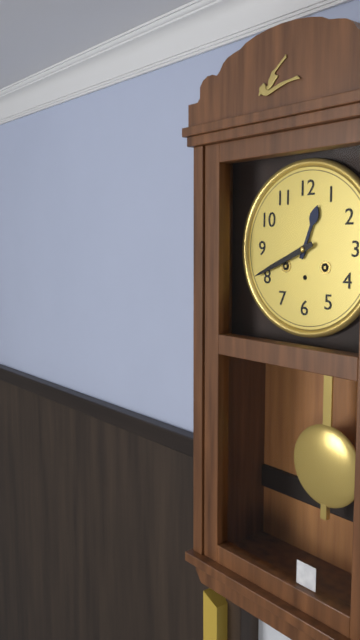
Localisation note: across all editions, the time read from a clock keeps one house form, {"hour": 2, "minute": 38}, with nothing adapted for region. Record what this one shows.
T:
{"hour": 12, "minute": 41}
